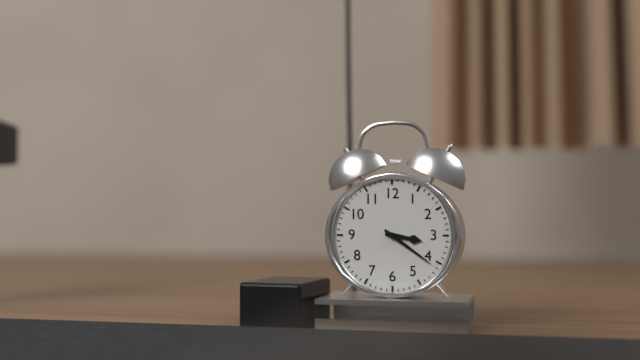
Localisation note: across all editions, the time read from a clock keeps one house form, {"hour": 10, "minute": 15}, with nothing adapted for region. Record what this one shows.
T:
{"hour": 3, "minute": 21}
